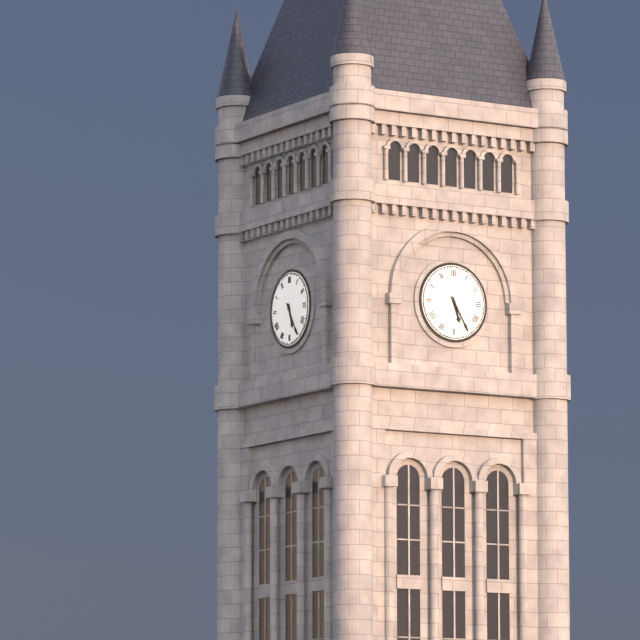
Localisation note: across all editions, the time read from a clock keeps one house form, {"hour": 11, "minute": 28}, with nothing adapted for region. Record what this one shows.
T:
{"hour": 5, "minute": 25}
